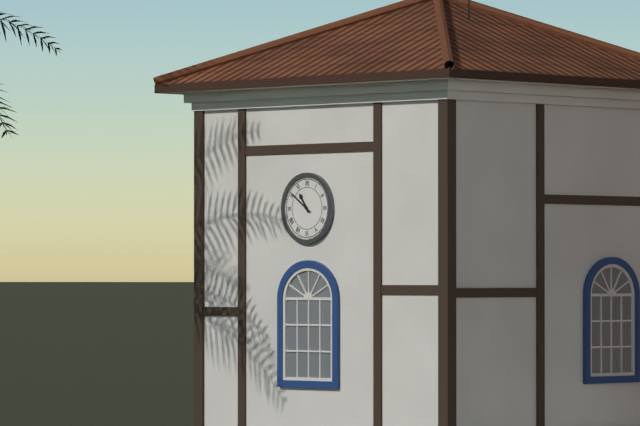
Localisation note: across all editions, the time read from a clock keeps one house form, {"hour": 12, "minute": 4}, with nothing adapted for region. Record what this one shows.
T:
{"hour": 10, "minute": 51}
